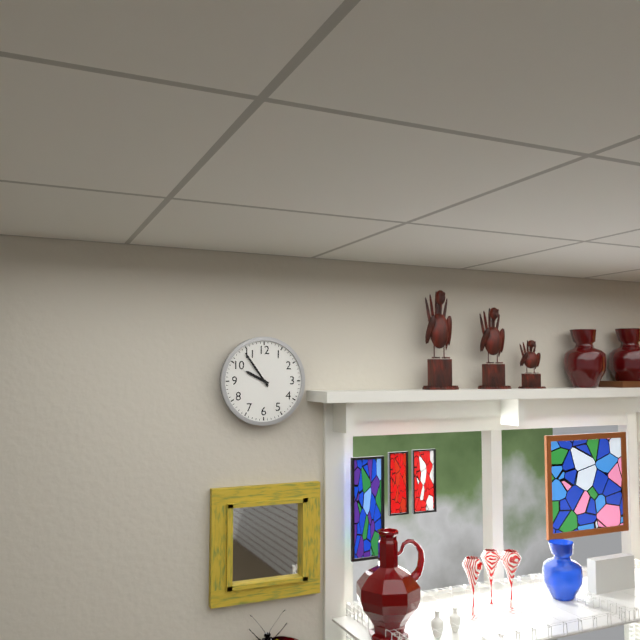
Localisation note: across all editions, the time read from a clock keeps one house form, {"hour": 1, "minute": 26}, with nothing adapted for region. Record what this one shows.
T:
{"hour": 9, "minute": 54}
